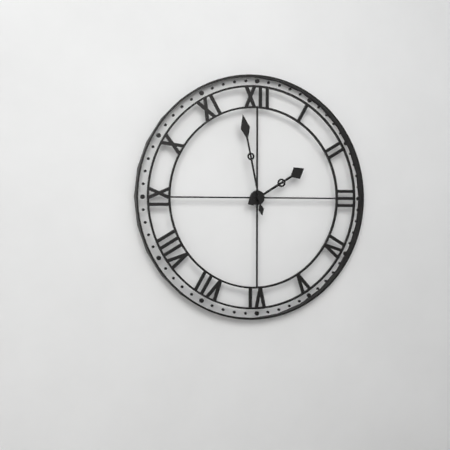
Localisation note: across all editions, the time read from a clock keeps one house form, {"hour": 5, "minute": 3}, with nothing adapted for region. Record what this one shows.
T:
{"hour": 1, "minute": 58}
